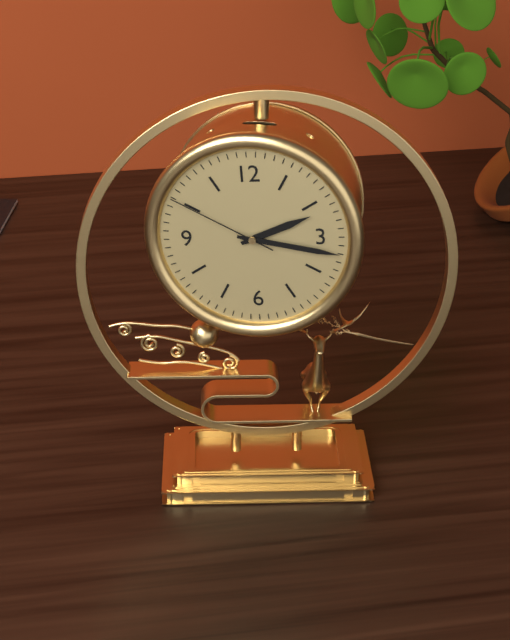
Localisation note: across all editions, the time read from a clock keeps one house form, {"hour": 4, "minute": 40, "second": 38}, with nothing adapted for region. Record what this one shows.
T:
{"hour": 2, "minute": 17, "second": 50}
